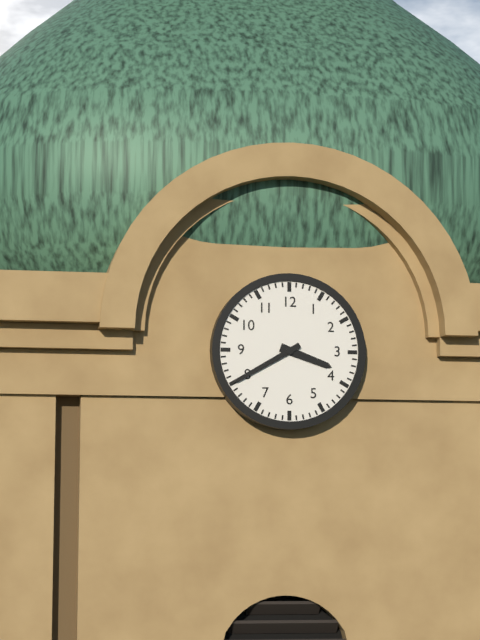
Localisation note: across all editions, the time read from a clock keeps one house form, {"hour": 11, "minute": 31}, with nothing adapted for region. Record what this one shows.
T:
{"hour": 3, "minute": 40}
